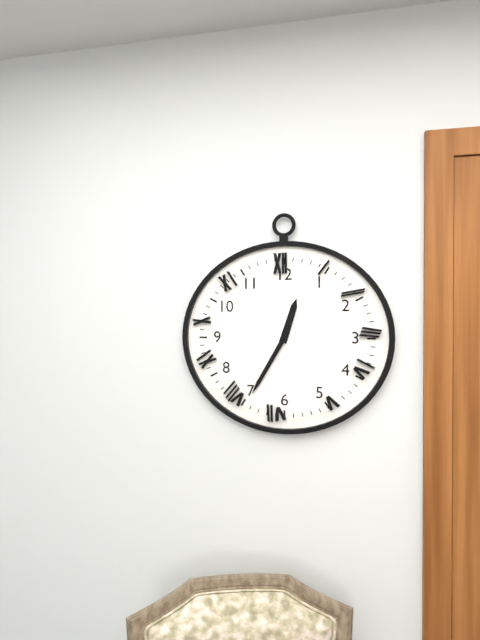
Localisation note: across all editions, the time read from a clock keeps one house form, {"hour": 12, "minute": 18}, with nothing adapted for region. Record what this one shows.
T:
{"hour": 12, "minute": 35}
